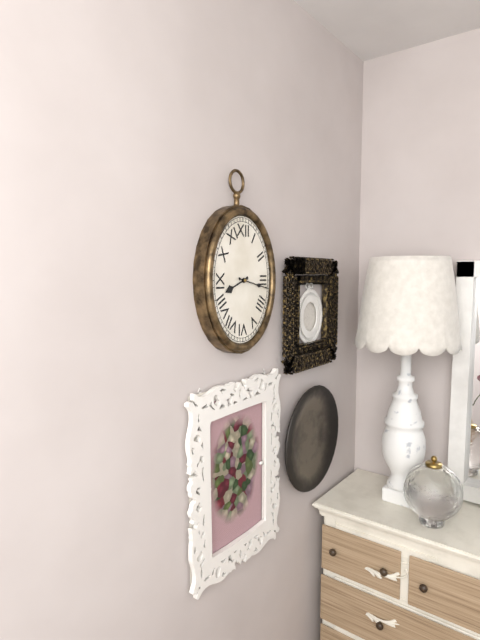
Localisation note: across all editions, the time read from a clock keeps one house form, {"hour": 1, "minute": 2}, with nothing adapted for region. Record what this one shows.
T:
{"hour": 8, "minute": 17}
